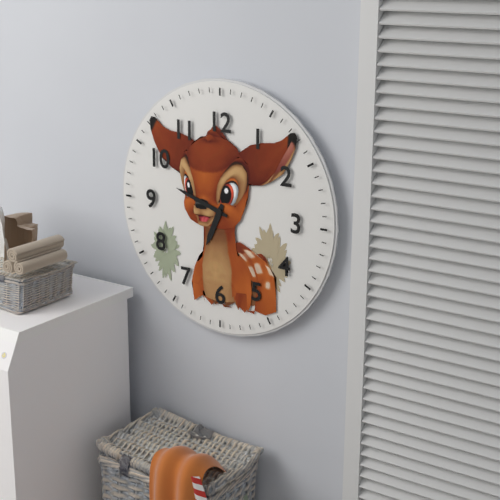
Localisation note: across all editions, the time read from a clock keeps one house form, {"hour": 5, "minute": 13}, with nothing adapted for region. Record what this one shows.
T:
{"hour": 6, "minute": 48}
